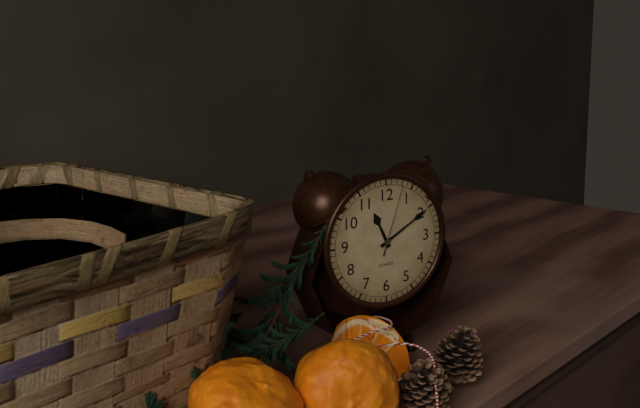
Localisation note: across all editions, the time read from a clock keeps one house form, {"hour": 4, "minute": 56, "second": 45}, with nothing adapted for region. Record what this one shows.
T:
{"hour": 11, "minute": 10, "second": 3}
